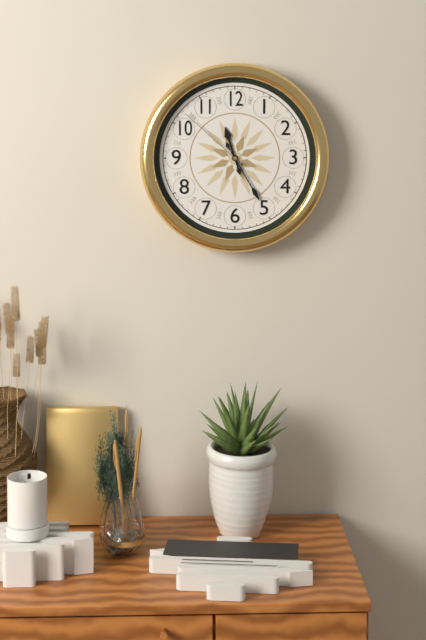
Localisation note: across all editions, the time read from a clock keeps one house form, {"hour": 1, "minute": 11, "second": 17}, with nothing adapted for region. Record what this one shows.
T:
{"hour": 11, "minute": 25, "second": 52}
